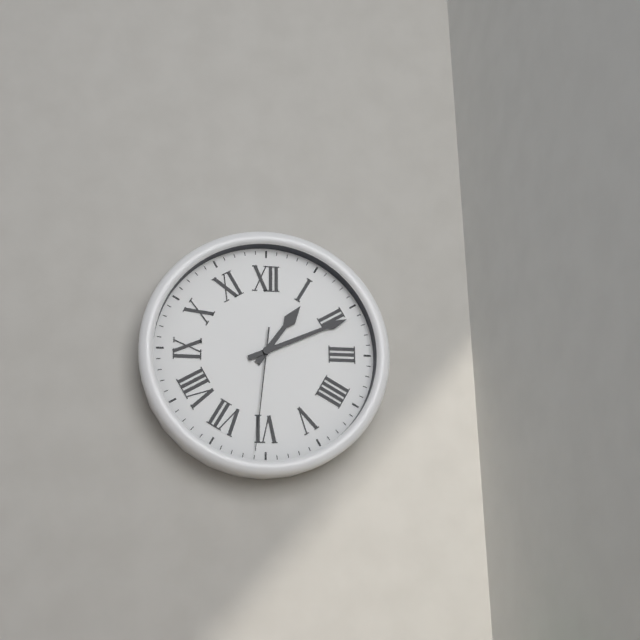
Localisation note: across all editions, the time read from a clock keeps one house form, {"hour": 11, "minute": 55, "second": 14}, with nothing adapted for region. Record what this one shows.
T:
{"hour": 1, "minute": 11, "second": 31}
